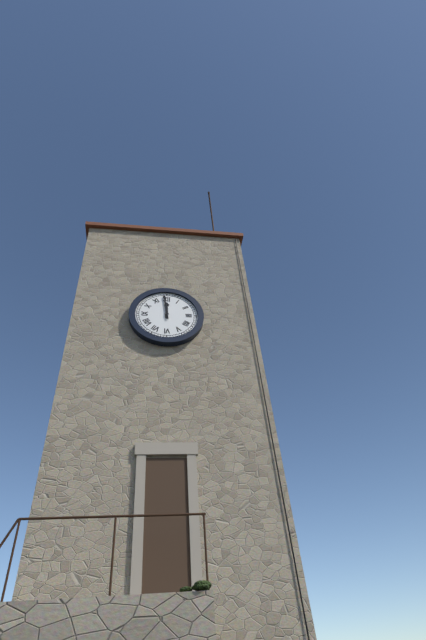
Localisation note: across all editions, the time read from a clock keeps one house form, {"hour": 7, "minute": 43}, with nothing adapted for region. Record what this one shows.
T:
{"hour": 11, "minute": 59}
